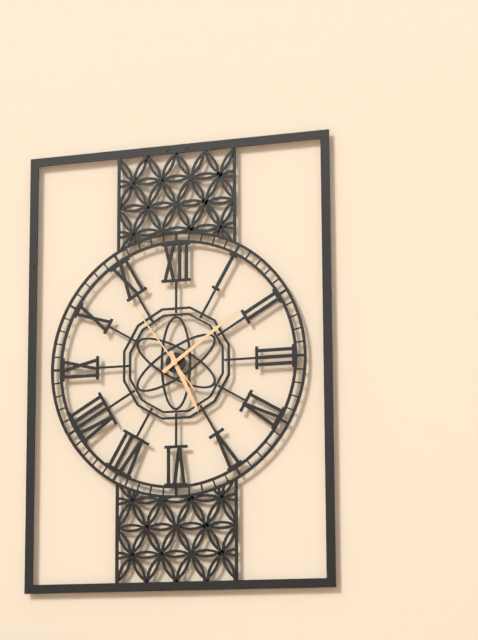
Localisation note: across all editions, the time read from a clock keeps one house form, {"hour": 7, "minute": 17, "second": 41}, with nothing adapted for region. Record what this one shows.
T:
{"hour": 5, "minute": 9, "second": 54}
